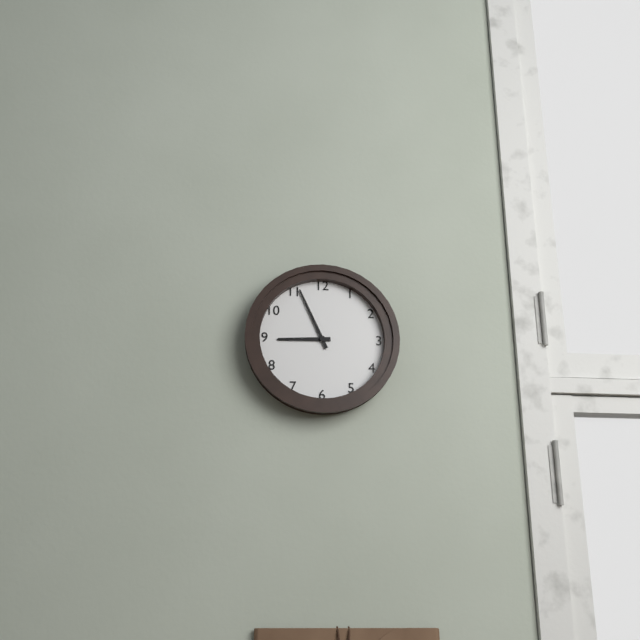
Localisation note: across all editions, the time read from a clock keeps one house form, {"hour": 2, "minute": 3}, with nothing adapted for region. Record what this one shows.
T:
{"hour": 8, "minute": 56}
